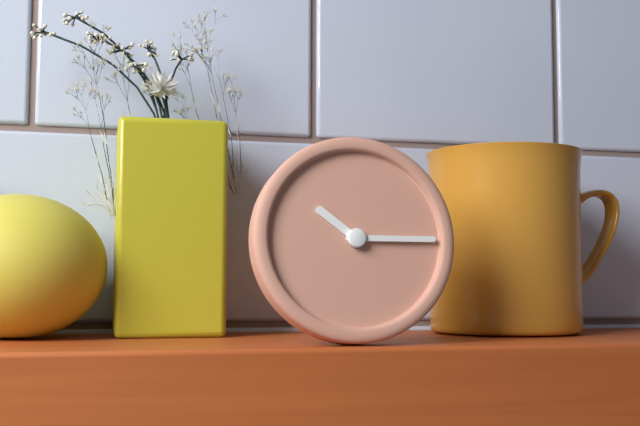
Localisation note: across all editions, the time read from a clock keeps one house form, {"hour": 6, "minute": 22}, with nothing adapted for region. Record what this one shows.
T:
{"hour": 10, "minute": 15}
